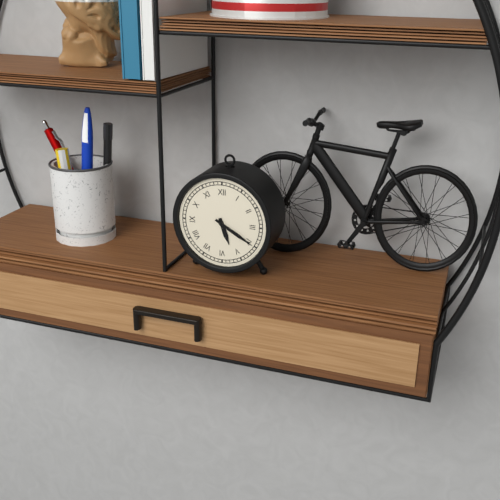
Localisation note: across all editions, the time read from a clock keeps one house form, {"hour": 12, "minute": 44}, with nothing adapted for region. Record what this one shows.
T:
{"hour": 5, "minute": 20}
